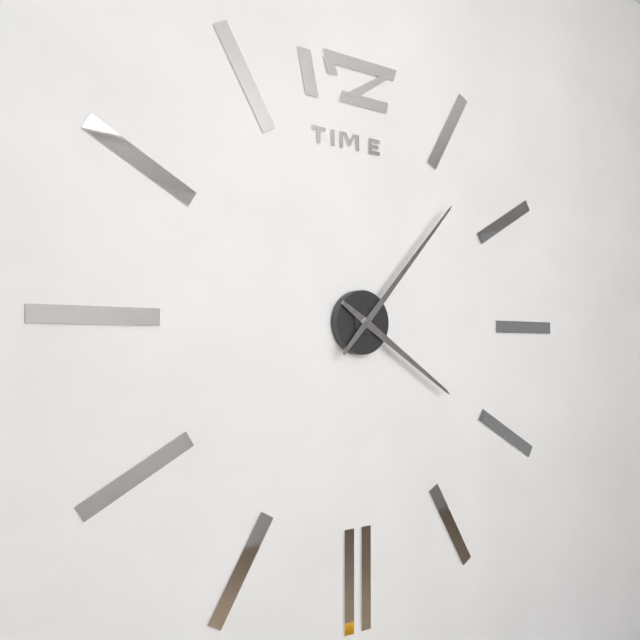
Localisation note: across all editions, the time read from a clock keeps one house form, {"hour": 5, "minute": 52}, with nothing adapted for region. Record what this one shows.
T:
{"hour": 4, "minute": 7}
